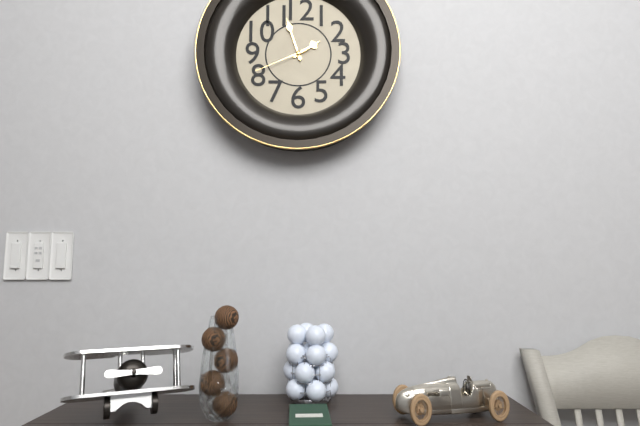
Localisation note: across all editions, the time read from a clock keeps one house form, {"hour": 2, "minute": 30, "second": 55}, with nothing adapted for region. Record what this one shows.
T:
{"hour": 1, "minute": 57, "second": 41}
